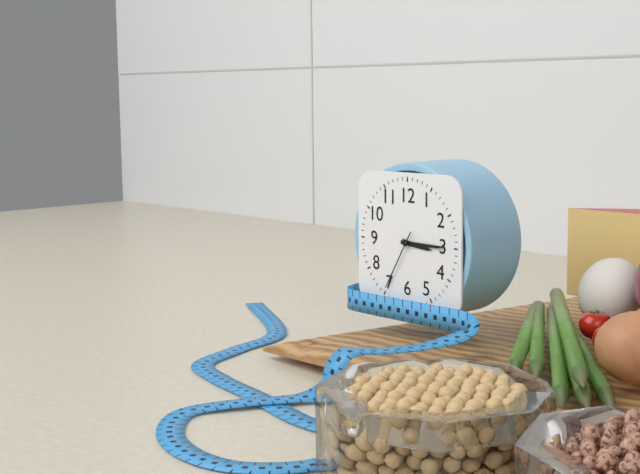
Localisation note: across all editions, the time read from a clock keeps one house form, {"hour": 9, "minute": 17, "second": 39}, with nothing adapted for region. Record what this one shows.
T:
{"hour": 3, "minute": 15, "second": 35}
